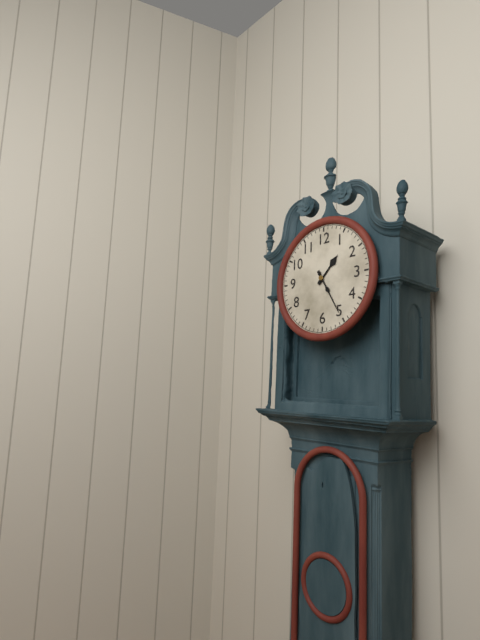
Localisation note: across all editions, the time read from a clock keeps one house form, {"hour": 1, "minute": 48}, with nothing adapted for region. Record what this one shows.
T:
{"hour": 1, "minute": 25}
